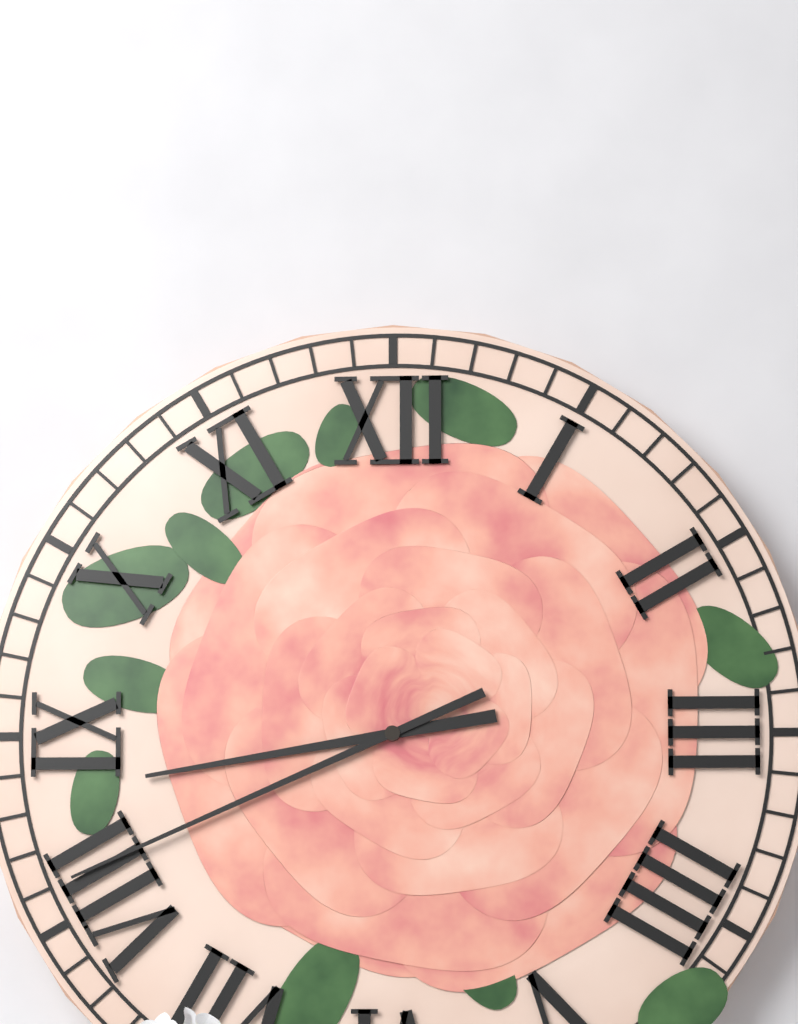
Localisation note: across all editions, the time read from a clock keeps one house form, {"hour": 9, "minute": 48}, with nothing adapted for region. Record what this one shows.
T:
{"hour": 8, "minute": 41}
